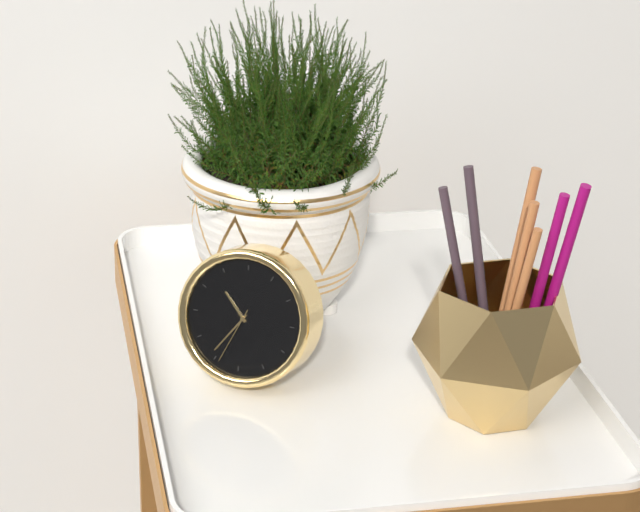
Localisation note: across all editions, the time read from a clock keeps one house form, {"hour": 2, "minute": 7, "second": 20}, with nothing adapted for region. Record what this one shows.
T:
{"hour": 10, "minute": 36, "second": 34}
